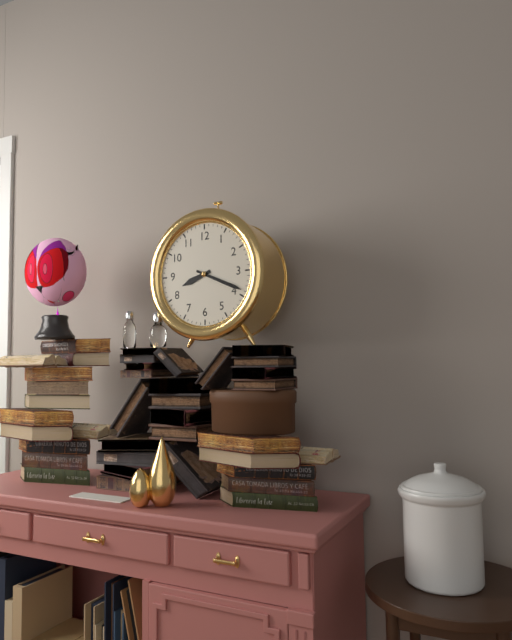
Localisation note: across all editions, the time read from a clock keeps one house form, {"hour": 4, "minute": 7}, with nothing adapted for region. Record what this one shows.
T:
{"hour": 8, "minute": 19}
